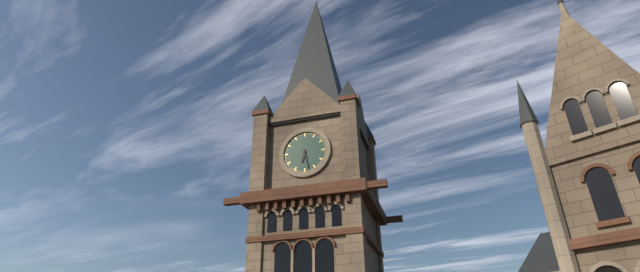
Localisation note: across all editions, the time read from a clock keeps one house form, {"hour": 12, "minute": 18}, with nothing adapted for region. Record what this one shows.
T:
{"hour": 6, "minute": 28}
